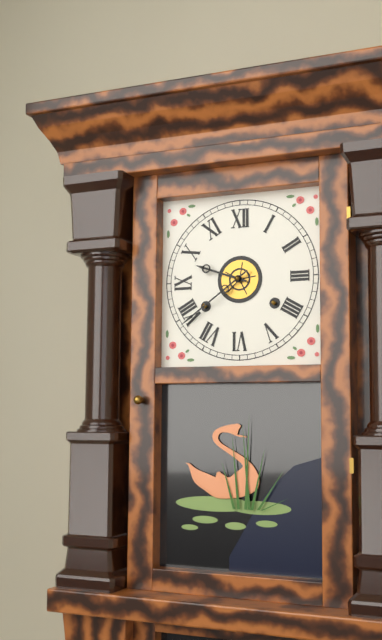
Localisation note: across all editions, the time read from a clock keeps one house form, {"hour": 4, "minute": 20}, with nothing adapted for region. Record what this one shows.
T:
{"hour": 9, "minute": 39}
